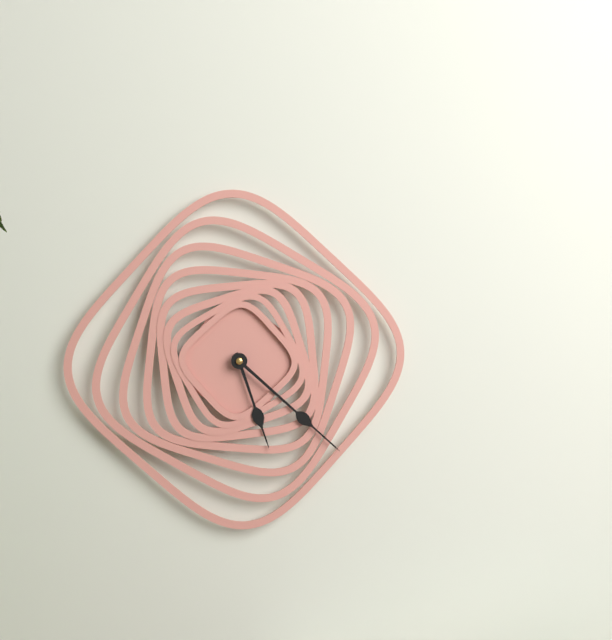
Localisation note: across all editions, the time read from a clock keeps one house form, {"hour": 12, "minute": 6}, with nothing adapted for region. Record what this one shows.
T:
{"hour": 5, "minute": 22}
